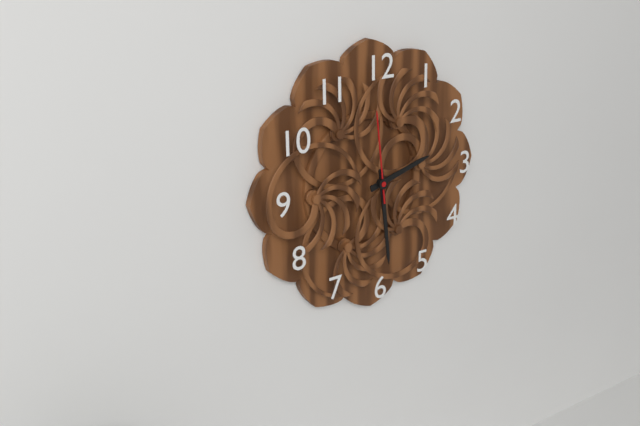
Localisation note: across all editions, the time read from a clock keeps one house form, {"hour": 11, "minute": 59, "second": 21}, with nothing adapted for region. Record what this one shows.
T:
{"hour": 2, "minute": 29, "second": 59}
